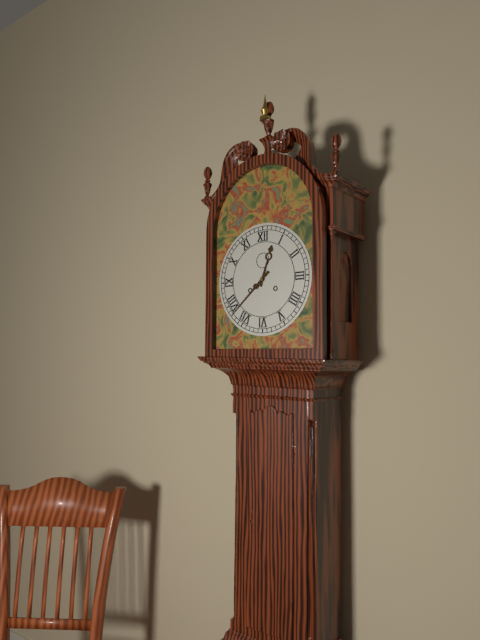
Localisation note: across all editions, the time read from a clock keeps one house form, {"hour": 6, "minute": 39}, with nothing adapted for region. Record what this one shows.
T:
{"hour": 12, "minute": 38}
